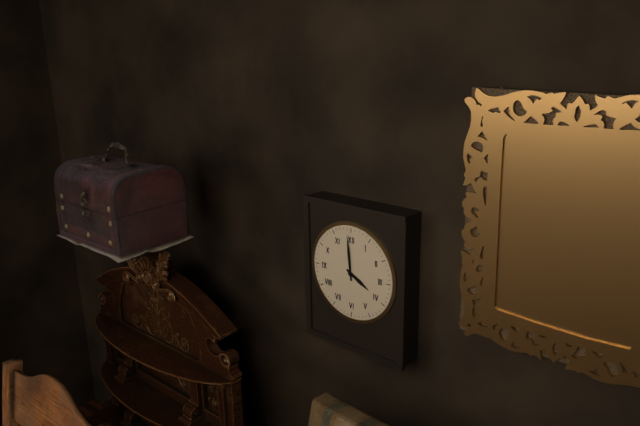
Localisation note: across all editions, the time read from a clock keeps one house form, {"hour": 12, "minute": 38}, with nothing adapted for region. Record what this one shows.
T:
{"hour": 3, "minute": 59}
